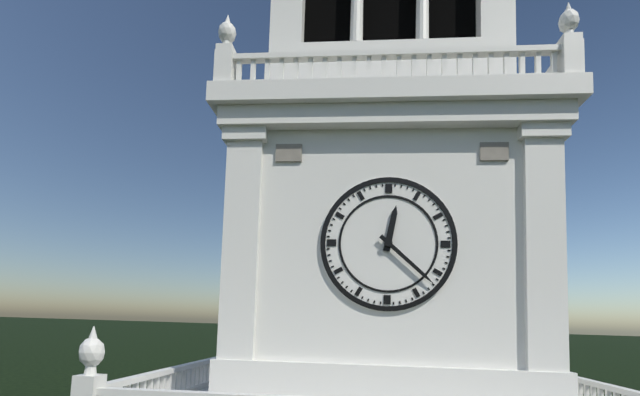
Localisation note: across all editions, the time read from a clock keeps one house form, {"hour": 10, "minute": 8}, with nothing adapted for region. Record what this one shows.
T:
{"hour": 12, "minute": 22}
